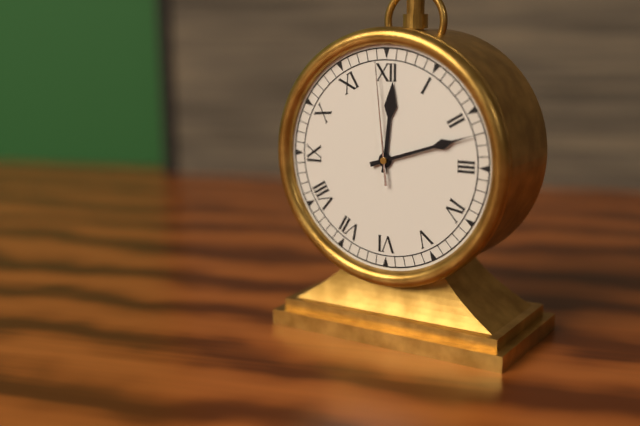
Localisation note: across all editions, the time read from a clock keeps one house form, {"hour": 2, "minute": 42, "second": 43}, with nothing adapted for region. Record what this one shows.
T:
{"hour": 12, "minute": 12, "second": 59}
